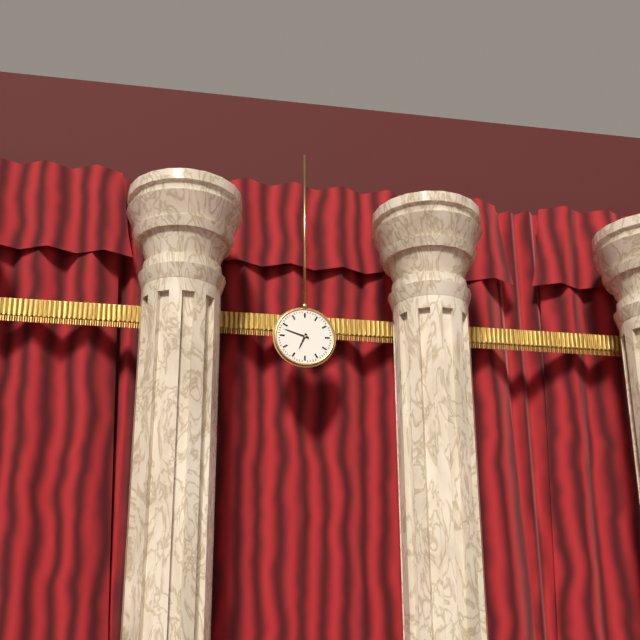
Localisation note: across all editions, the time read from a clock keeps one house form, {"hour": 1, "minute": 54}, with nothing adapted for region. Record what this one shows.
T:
{"hour": 6, "minute": 48}
